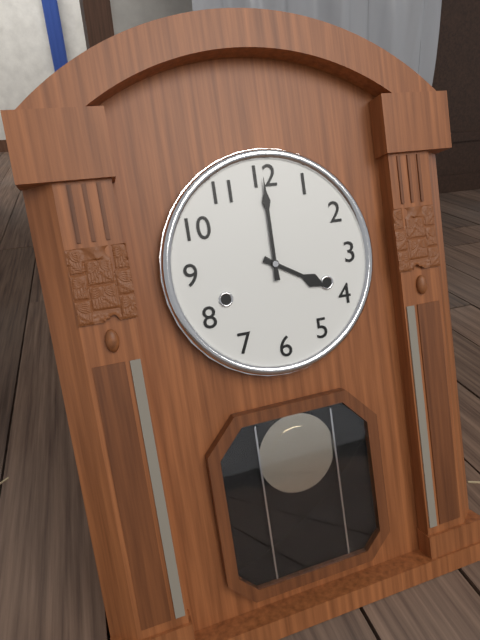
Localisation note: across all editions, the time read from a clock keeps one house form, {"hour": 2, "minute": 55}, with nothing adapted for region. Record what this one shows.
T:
{"hour": 4, "minute": 0}
